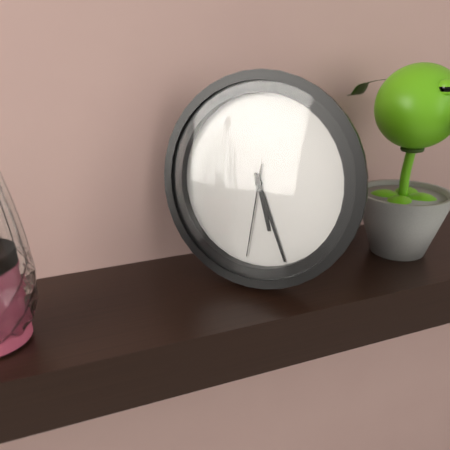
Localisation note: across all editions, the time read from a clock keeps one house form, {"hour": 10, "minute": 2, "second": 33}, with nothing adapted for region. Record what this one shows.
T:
{"hour": 5, "minute": 26, "second": 31}
